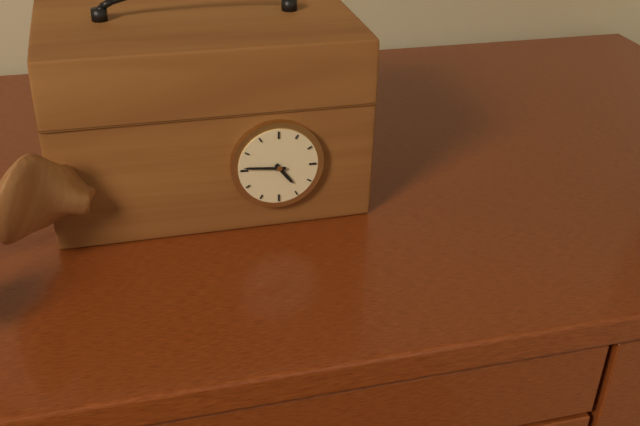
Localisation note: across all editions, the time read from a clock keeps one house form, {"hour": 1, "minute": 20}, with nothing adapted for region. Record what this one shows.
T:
{"hour": 4, "minute": 46}
